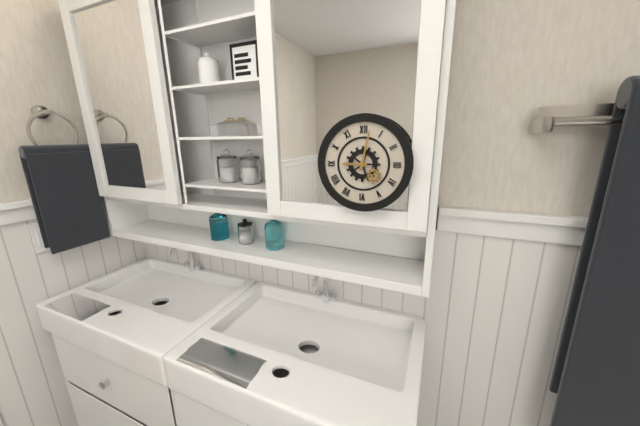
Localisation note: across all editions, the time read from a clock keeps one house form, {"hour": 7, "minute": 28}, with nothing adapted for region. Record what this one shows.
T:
{"hour": 9, "minute": 2}
